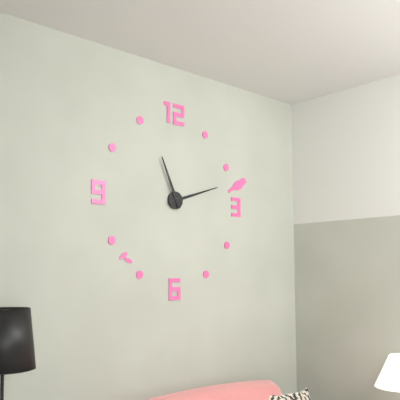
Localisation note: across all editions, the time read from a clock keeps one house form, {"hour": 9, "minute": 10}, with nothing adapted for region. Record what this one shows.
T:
{"hour": 11, "minute": 12}
